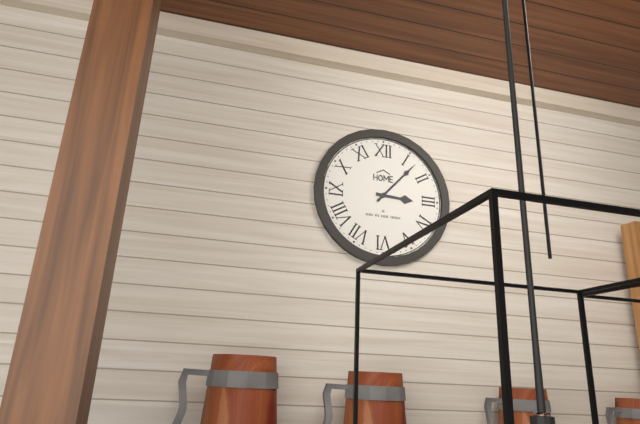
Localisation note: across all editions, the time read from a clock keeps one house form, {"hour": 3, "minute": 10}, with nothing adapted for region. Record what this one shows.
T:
{"hour": 3, "minute": 7}
